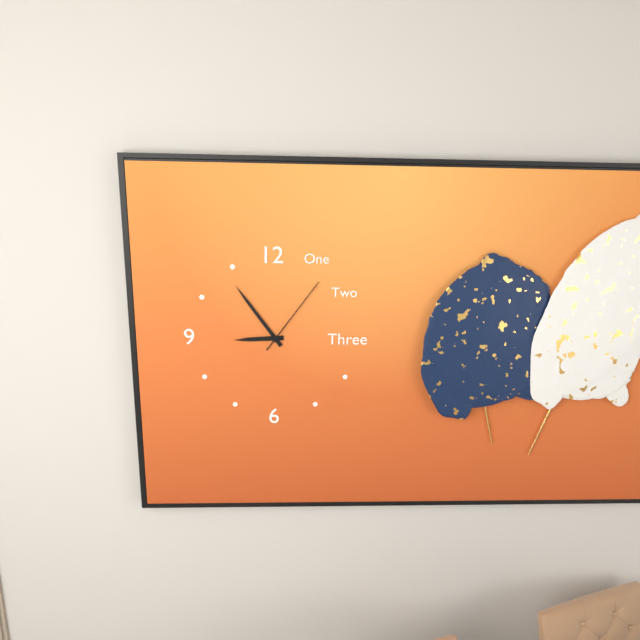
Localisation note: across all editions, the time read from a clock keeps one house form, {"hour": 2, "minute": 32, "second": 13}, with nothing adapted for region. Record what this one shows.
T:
{"hour": 8, "minute": 54, "second": 6}
